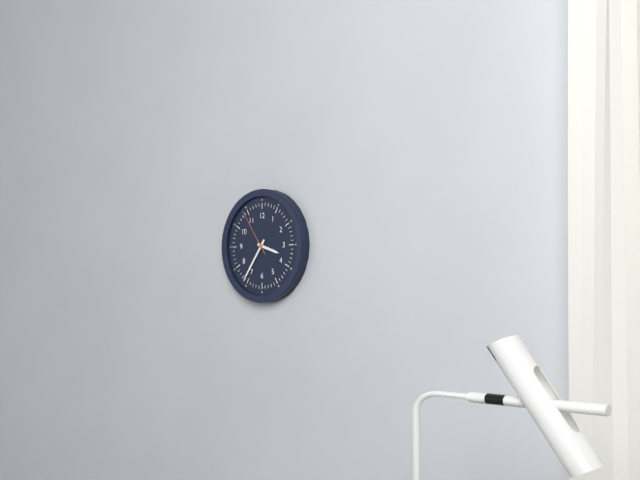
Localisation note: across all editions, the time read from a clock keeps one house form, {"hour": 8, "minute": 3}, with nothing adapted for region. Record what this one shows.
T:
{"hour": 3, "minute": 36}
